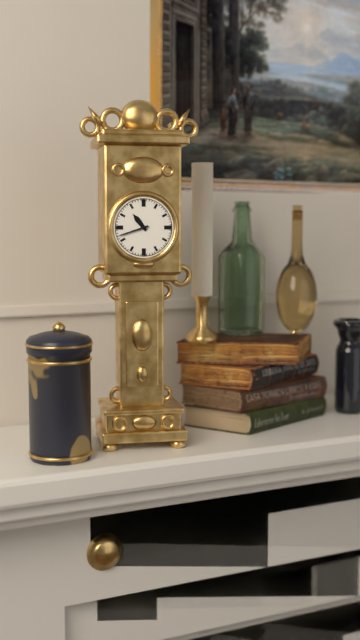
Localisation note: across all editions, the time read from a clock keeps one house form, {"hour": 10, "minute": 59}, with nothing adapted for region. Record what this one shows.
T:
{"hour": 10, "minute": 42}
